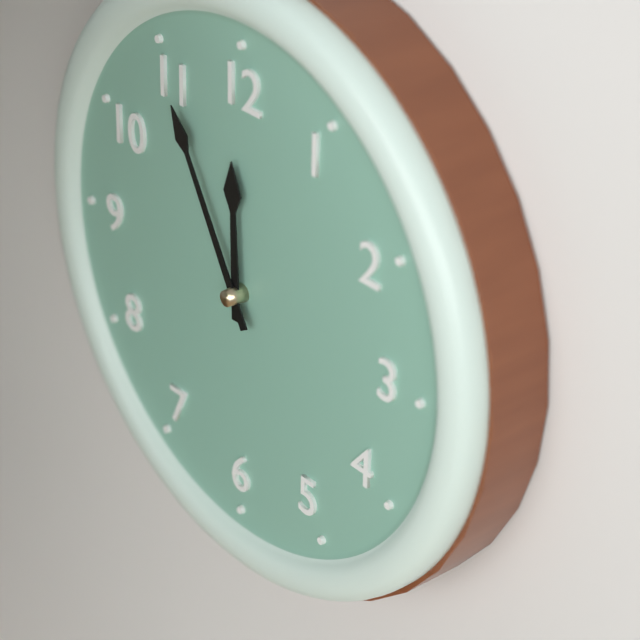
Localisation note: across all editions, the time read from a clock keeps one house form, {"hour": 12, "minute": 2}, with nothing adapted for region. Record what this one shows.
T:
{"hour": 11, "minute": 55}
